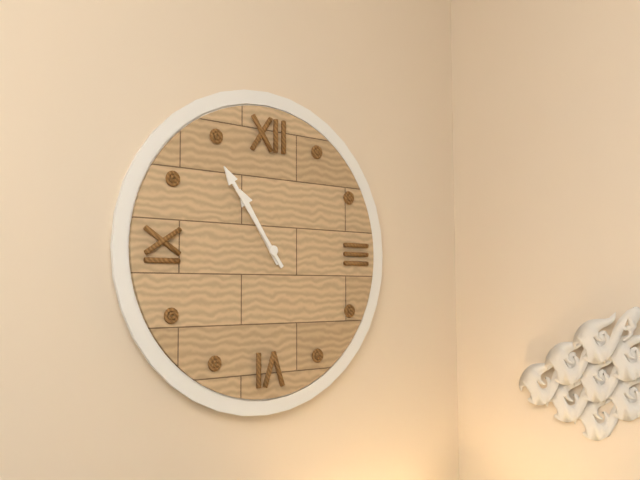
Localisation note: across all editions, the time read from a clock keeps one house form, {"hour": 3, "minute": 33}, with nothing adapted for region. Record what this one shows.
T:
{"hour": 10, "minute": 54}
